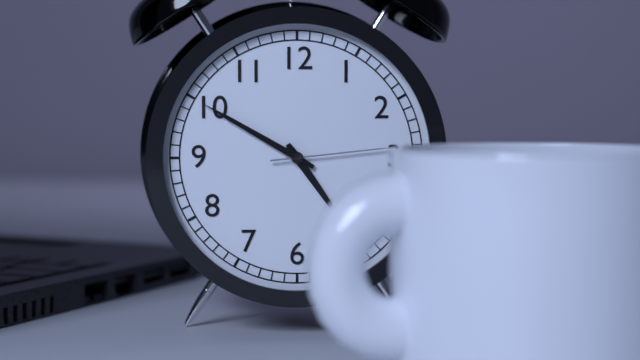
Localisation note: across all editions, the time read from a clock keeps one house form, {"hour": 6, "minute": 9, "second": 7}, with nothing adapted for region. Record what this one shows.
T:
{"hour": 4, "minute": 50, "second": 14}
